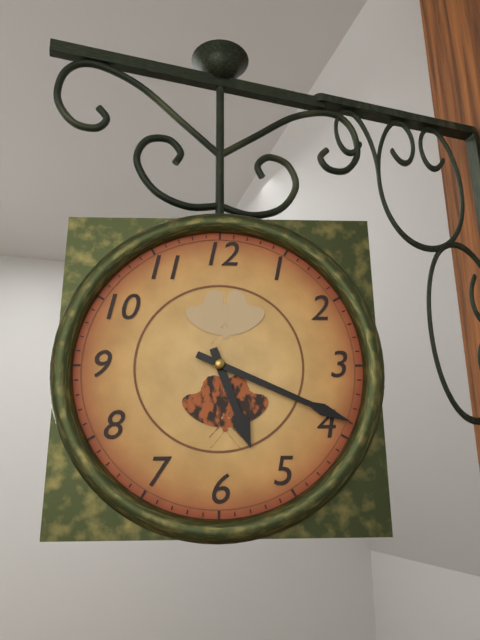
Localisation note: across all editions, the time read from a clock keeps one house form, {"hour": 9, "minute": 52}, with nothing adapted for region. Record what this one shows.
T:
{"hour": 5, "minute": 19}
